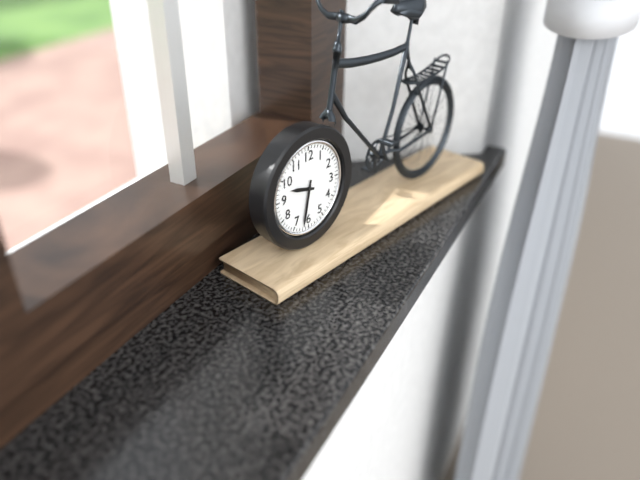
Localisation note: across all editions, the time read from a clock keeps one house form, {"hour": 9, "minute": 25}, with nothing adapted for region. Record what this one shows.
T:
{"hour": 9, "minute": 32}
